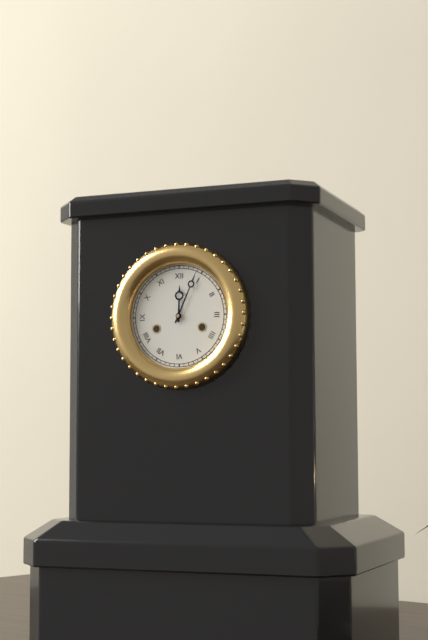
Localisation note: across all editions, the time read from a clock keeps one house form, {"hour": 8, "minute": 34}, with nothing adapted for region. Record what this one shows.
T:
{"hour": 12, "minute": 4}
